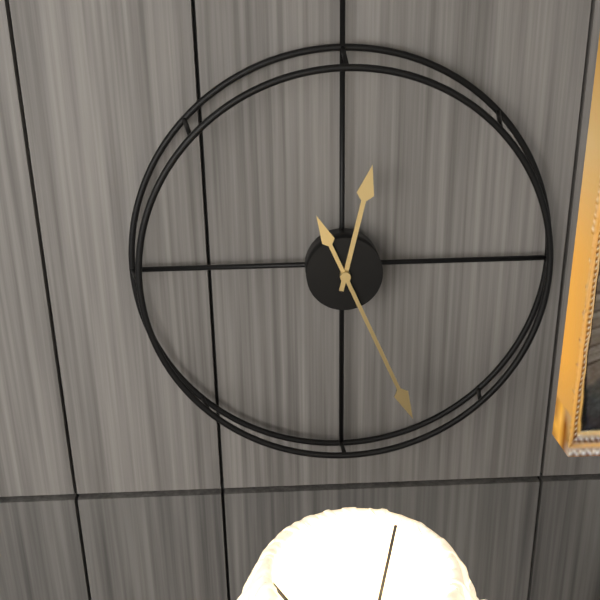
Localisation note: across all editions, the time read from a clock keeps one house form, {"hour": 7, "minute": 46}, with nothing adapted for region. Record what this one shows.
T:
{"hour": 12, "minute": 26}
